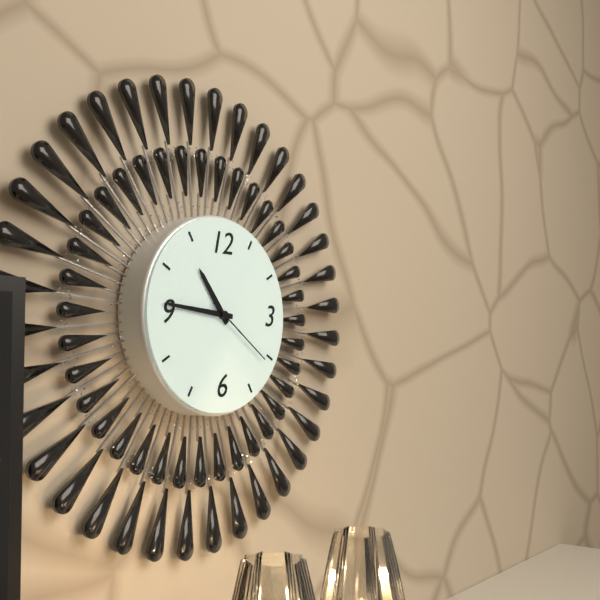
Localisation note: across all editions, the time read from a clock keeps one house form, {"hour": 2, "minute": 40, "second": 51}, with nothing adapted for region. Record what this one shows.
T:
{"hour": 10, "minute": 46, "second": 21}
